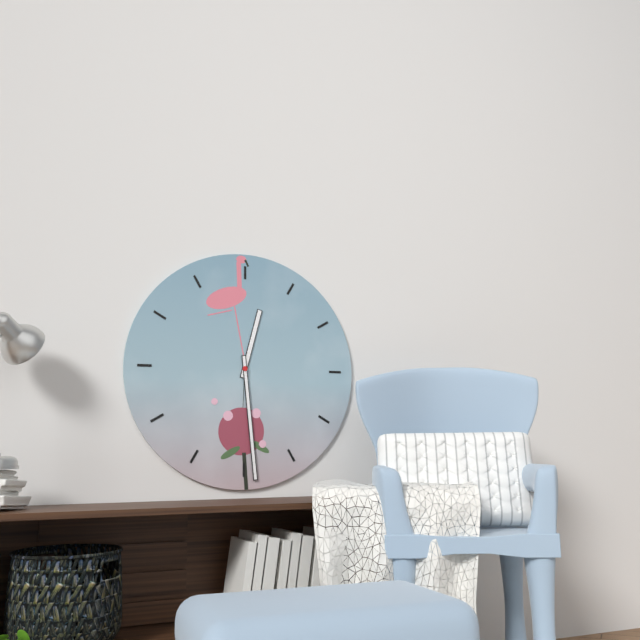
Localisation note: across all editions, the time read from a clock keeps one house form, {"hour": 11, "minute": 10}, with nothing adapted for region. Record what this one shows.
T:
{"hour": 12, "minute": 29}
